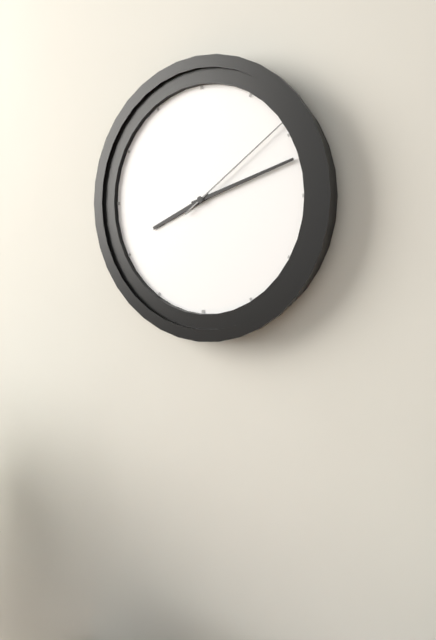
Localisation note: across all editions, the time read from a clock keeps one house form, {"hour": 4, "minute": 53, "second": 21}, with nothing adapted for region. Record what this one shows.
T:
{"hour": 8, "minute": 12, "second": 9}
